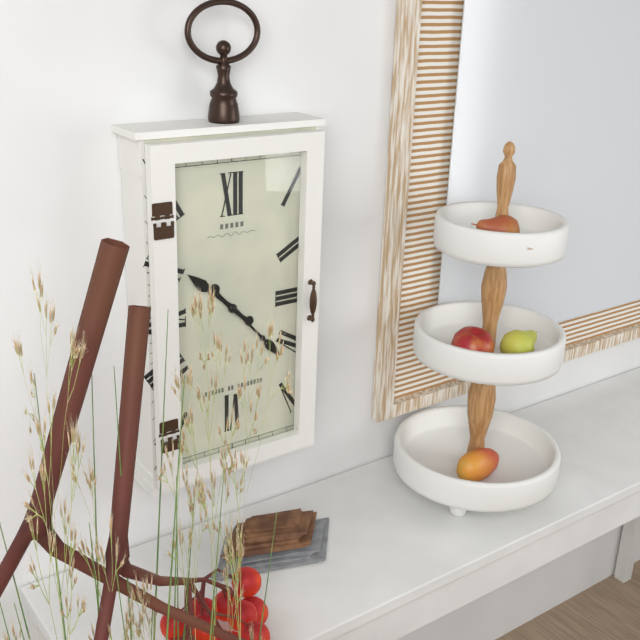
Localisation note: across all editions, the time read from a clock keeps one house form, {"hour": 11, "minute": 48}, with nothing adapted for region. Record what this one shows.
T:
{"hour": 10, "minute": 23}
